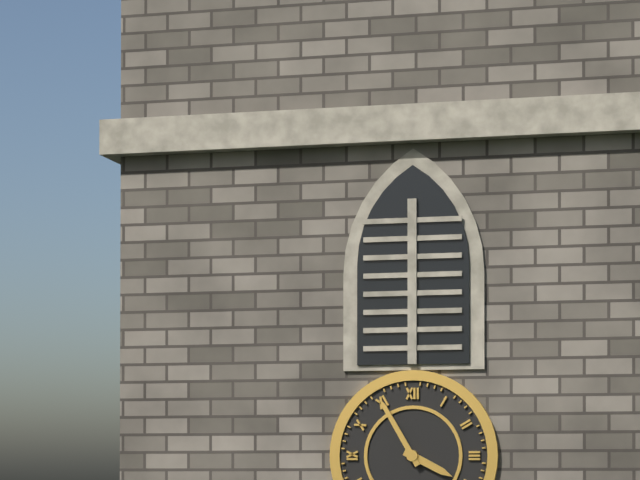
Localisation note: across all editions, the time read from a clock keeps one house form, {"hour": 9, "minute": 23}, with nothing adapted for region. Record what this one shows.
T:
{"hour": 3, "minute": 55}
